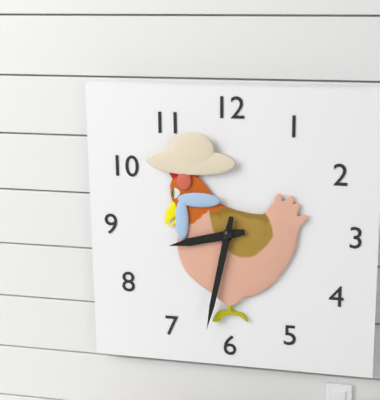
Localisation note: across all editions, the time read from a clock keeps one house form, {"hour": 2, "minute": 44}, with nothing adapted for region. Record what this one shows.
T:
{"hour": 8, "minute": 32}
